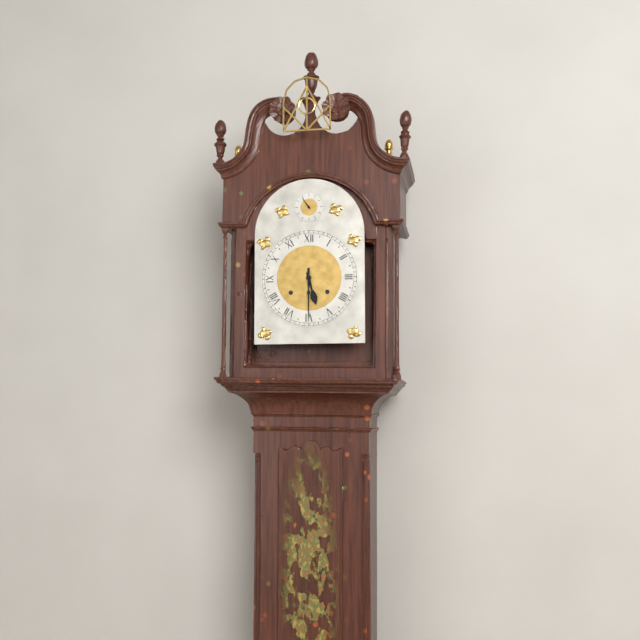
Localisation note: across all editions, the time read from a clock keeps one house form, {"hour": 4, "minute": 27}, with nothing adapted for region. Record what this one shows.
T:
{"hour": 5, "minute": 30}
